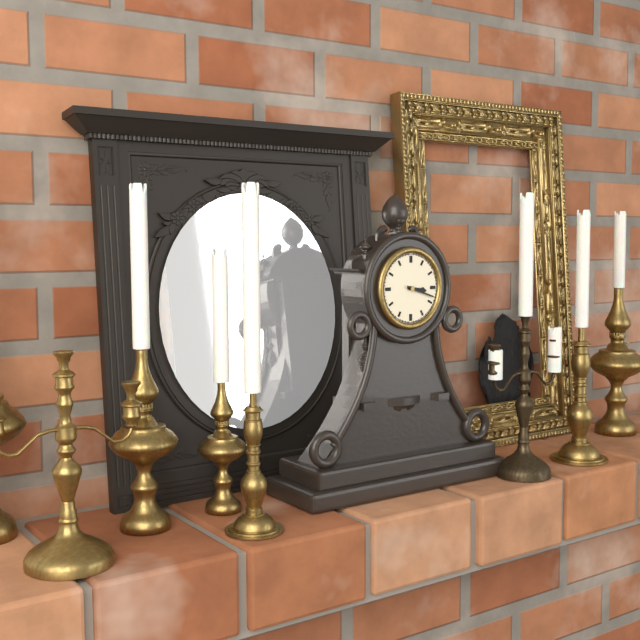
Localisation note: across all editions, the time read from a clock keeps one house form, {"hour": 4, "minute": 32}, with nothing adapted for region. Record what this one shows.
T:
{"hour": 3, "minute": 18}
